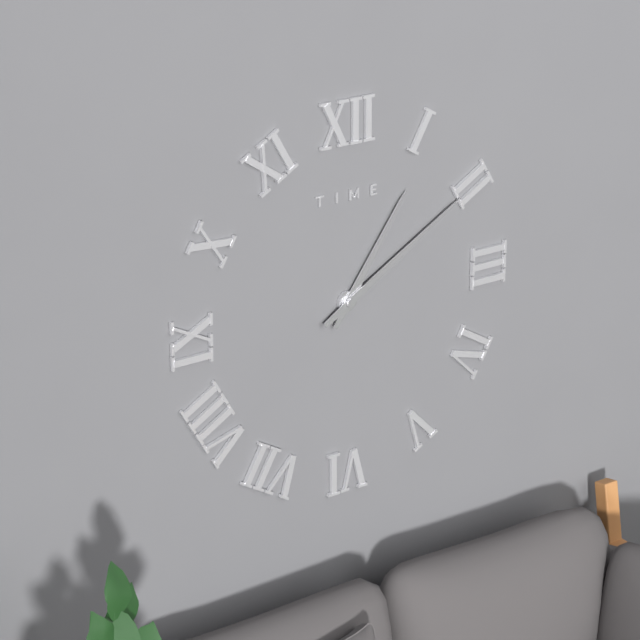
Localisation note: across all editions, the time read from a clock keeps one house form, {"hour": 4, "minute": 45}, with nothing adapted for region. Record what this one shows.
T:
{"hour": 1, "minute": 10}
